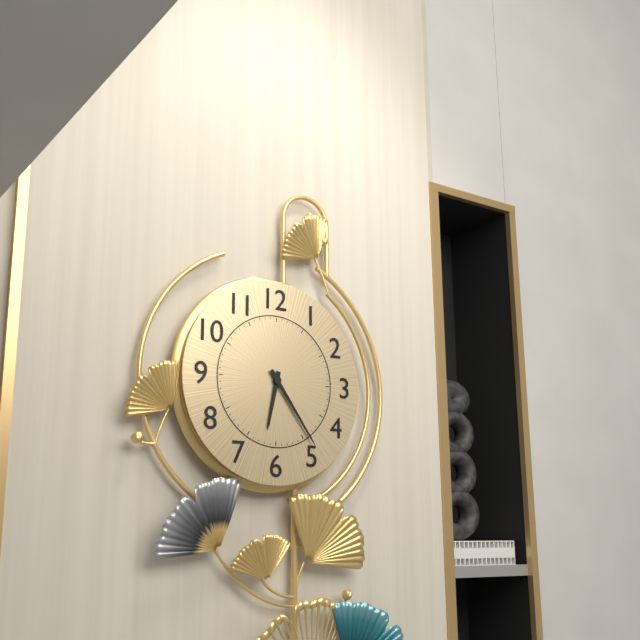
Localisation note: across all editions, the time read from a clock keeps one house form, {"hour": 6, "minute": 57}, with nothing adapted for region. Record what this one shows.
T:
{"hour": 6, "minute": 24}
